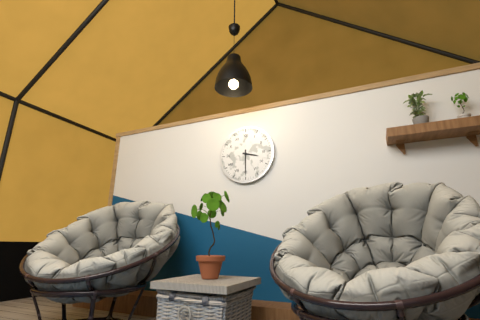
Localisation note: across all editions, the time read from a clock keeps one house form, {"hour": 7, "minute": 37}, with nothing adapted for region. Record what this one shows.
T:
{"hour": 3, "minute": 30}
